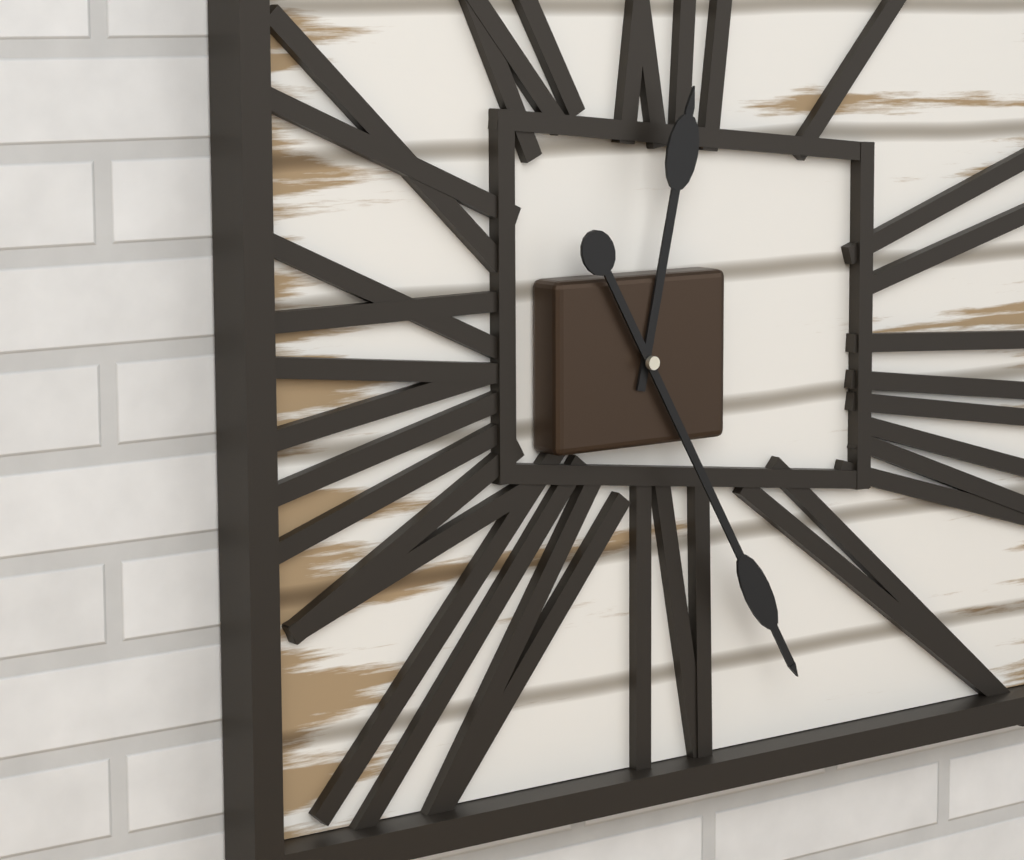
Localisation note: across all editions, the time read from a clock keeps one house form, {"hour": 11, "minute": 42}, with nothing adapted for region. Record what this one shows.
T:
{"hour": 12, "minute": 25}
